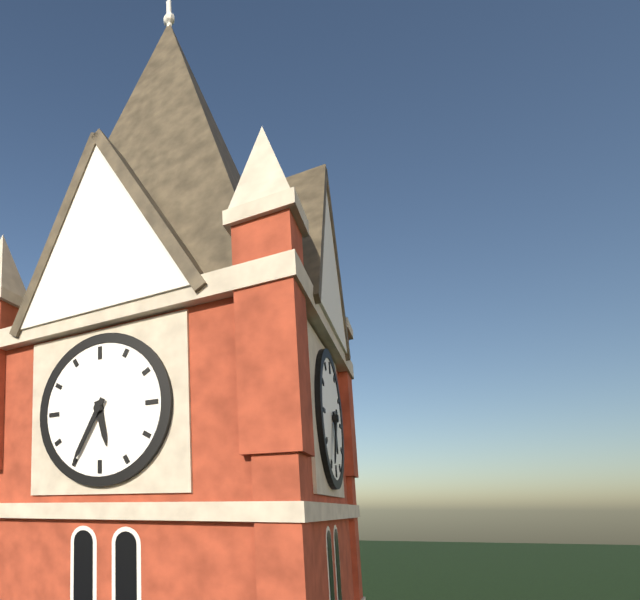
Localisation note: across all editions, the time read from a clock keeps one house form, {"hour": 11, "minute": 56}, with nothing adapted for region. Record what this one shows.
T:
{"hour": 5, "minute": 35}
